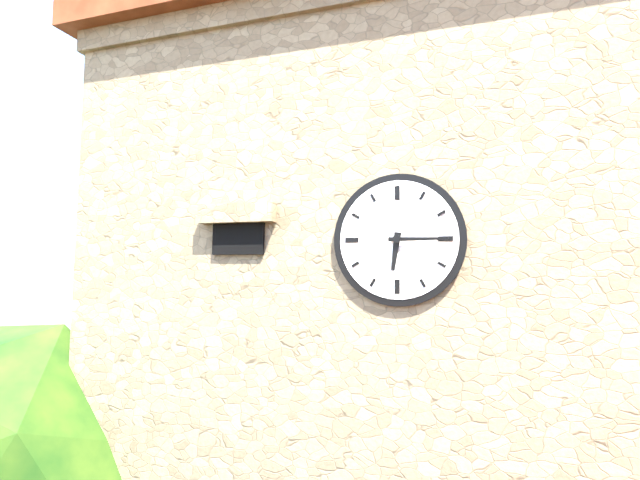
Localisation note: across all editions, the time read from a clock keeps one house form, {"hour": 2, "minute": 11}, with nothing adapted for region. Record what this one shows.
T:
{"hour": 6, "minute": 15}
